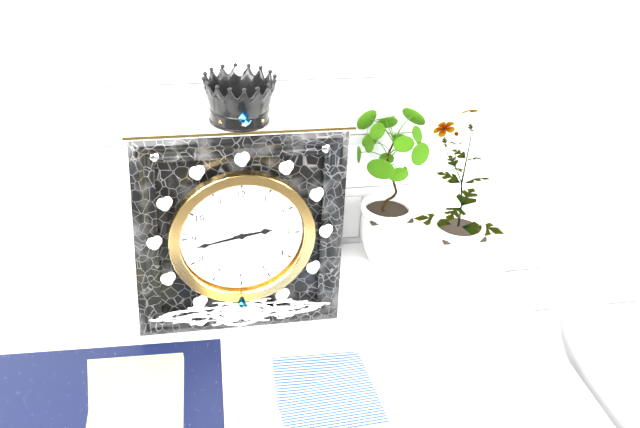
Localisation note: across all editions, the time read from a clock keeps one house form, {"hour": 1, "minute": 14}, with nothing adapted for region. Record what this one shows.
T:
{"hour": 2, "minute": 43}
